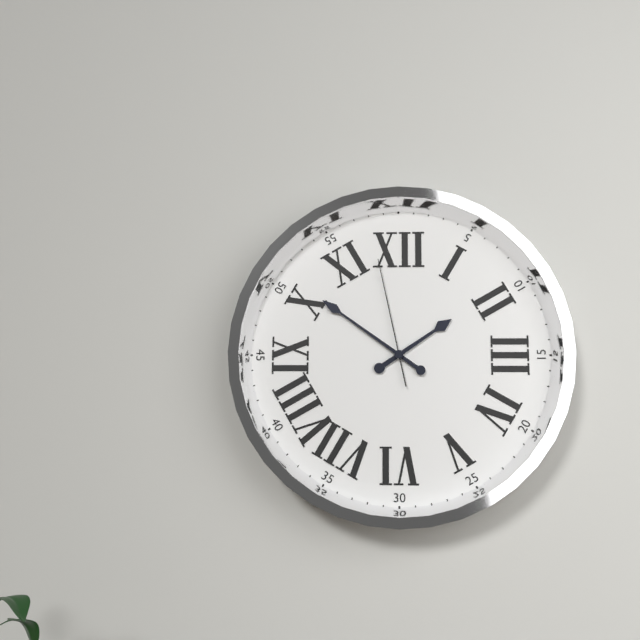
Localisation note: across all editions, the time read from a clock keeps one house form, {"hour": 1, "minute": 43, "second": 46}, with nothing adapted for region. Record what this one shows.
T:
{"hour": 1, "minute": 51, "second": 58}
